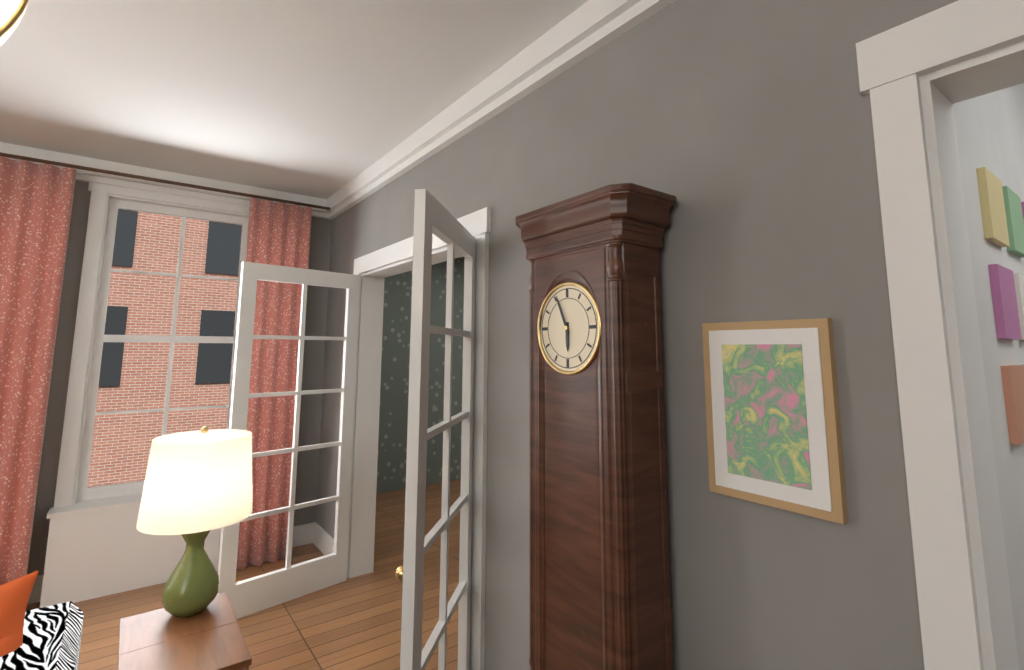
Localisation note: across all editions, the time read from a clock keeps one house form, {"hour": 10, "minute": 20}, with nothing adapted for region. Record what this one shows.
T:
{"hour": 5, "minute": 56}
